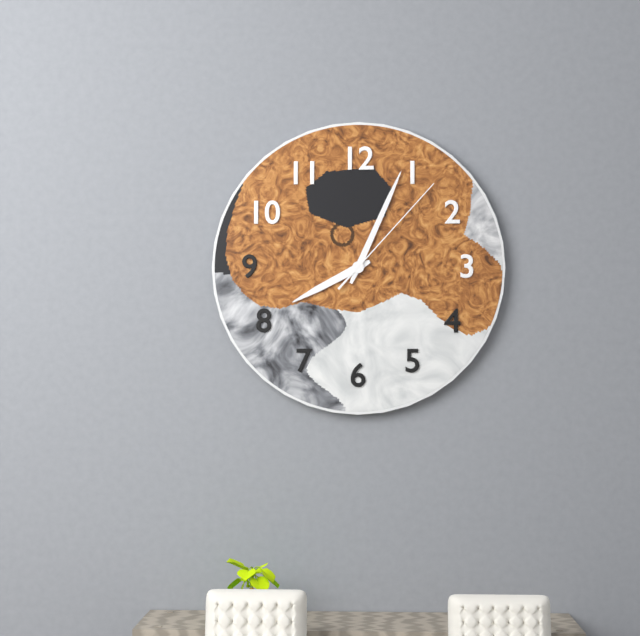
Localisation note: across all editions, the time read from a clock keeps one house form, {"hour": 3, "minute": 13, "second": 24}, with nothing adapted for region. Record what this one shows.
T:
{"hour": 8, "minute": 4, "second": 7}
